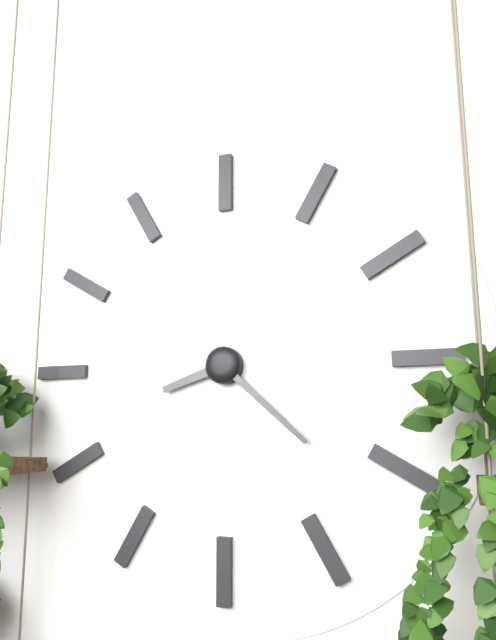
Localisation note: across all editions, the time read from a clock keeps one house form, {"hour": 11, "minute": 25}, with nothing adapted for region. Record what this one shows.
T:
{"hour": 8, "minute": 22}
